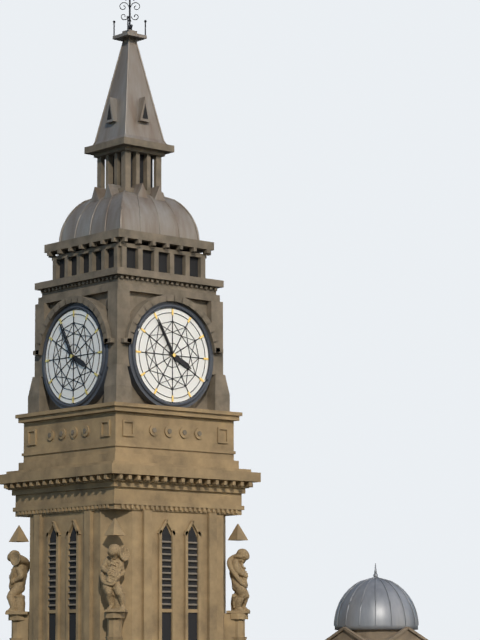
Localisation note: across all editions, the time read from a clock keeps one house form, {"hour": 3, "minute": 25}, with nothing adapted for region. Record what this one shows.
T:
{"hour": 3, "minute": 55}
